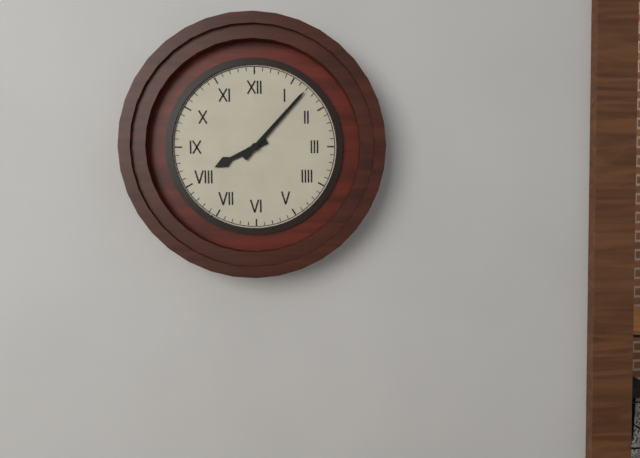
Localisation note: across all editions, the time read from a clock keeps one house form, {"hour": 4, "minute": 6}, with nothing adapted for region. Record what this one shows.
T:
{"hour": 8, "minute": 7}
